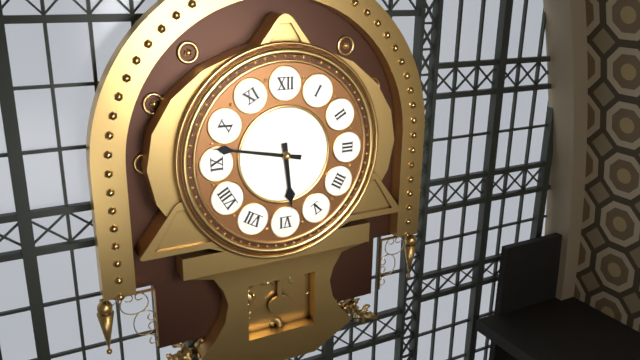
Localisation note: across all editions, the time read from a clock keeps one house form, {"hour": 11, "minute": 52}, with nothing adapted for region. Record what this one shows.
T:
{"hour": 5, "minute": 47}
